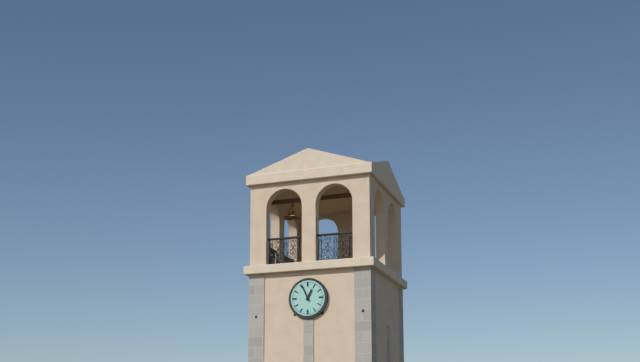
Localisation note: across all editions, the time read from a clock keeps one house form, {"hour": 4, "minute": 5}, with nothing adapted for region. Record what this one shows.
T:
{"hour": 12, "minute": 56}
